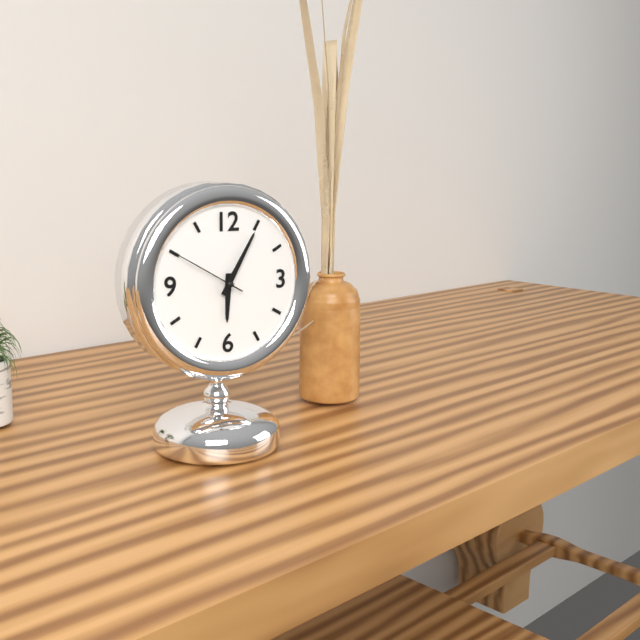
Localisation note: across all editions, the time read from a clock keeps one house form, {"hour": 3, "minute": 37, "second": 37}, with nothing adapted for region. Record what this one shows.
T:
{"hour": 6, "minute": 5, "second": 50}
